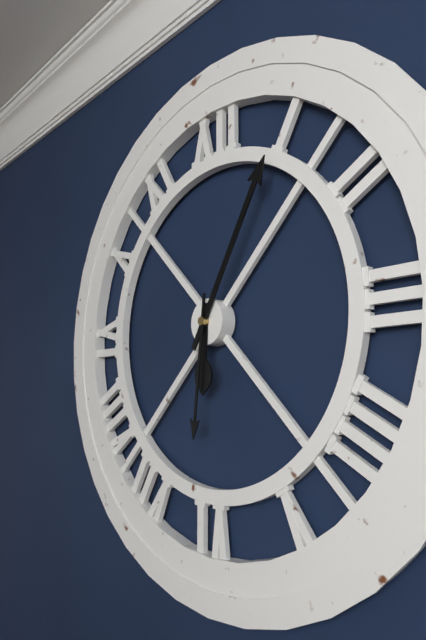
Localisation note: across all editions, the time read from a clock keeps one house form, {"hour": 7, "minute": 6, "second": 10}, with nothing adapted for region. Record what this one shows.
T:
{"hour": 6, "minute": 5, "second": 31}
